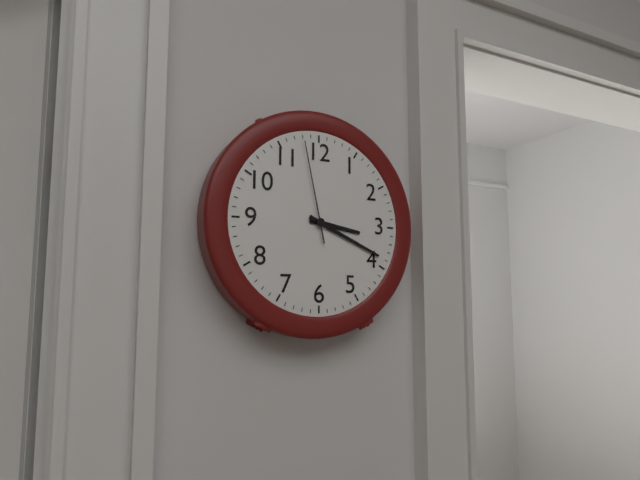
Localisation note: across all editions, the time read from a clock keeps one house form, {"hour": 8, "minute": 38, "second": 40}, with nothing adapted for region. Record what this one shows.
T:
{"hour": 3, "minute": 19, "second": 58}
